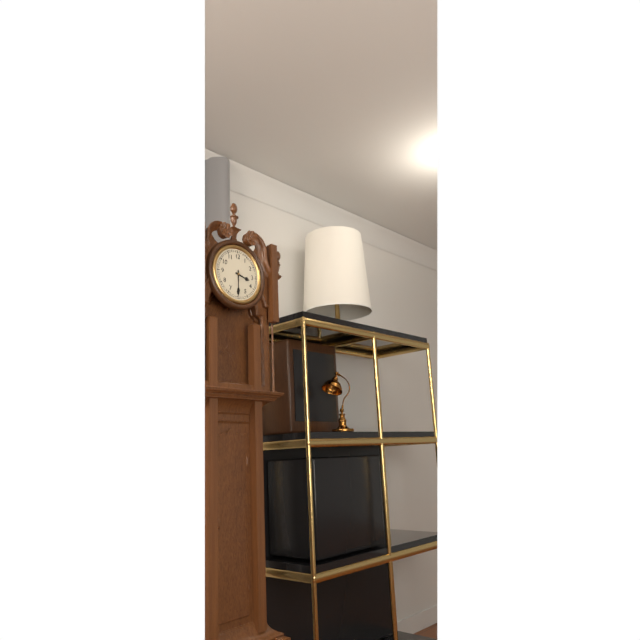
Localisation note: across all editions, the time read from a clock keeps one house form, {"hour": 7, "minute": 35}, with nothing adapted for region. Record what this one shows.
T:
{"hour": 3, "minute": 30}
